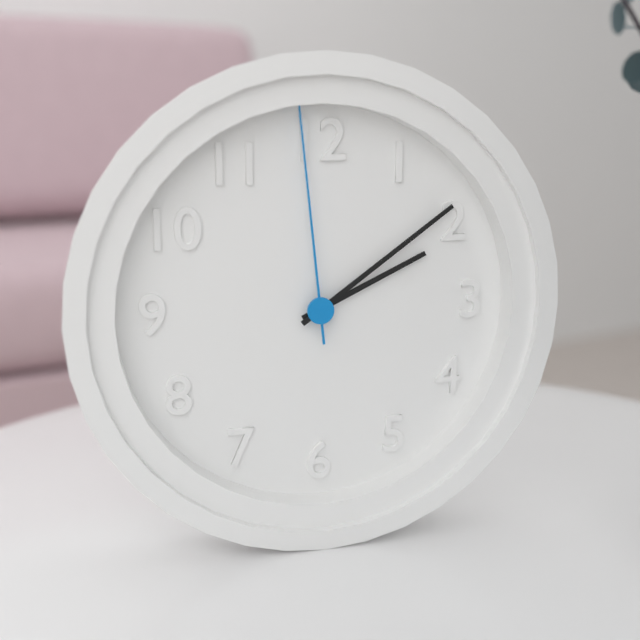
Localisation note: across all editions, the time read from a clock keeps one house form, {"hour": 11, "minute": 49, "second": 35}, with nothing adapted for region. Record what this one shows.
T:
{"hour": 2, "minute": 9, "second": 59}
